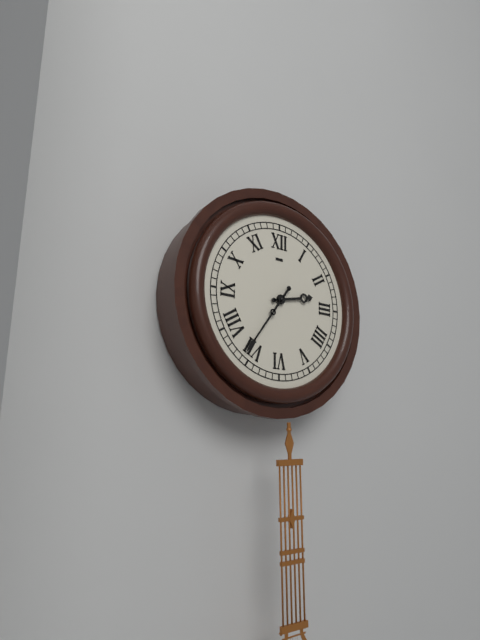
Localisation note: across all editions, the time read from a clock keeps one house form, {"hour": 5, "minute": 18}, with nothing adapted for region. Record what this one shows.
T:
{"hour": 2, "minute": 36}
